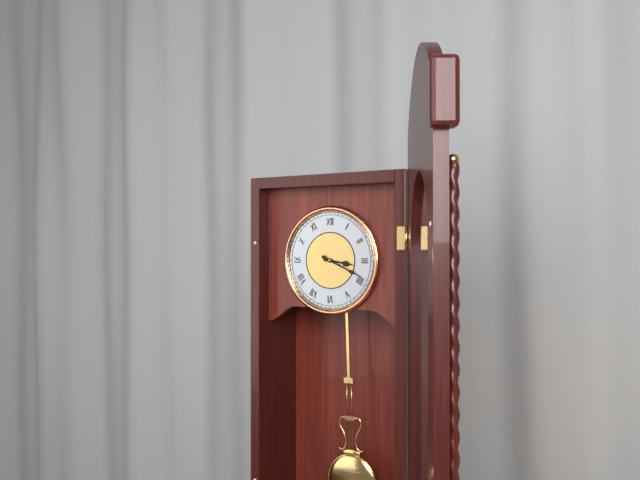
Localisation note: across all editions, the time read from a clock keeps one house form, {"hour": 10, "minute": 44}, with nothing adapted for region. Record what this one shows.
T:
{"hour": 3, "minute": 19}
